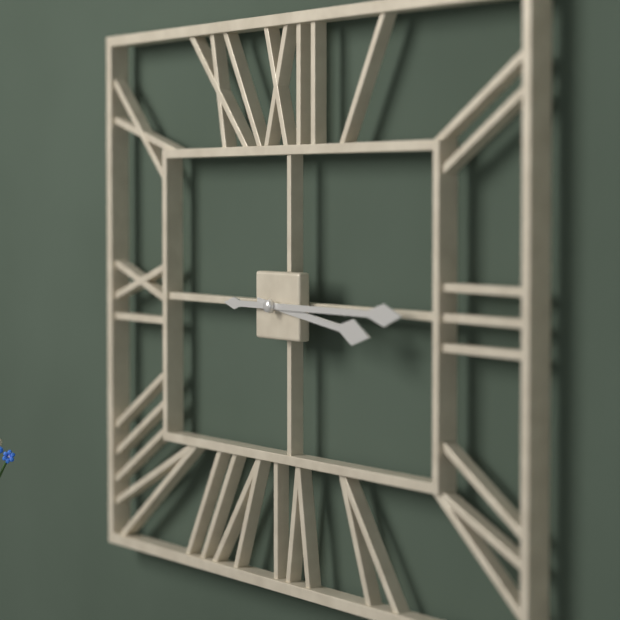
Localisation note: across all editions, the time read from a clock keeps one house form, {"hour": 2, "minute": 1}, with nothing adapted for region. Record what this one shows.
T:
{"hour": 3, "minute": 15}
